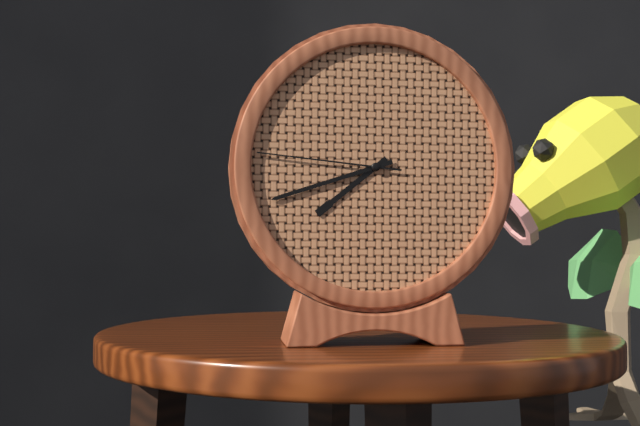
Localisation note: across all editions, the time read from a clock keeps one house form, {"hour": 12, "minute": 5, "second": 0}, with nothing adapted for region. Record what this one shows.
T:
{"hour": 7, "minute": 42, "second": 46}
